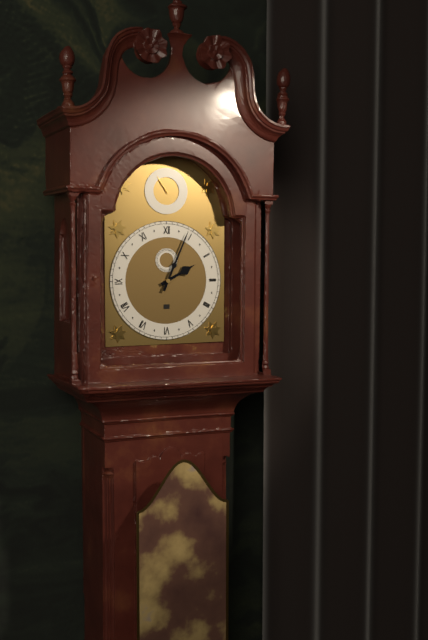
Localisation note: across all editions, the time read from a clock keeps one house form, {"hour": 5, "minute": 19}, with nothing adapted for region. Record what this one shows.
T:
{"hour": 2, "minute": 4}
